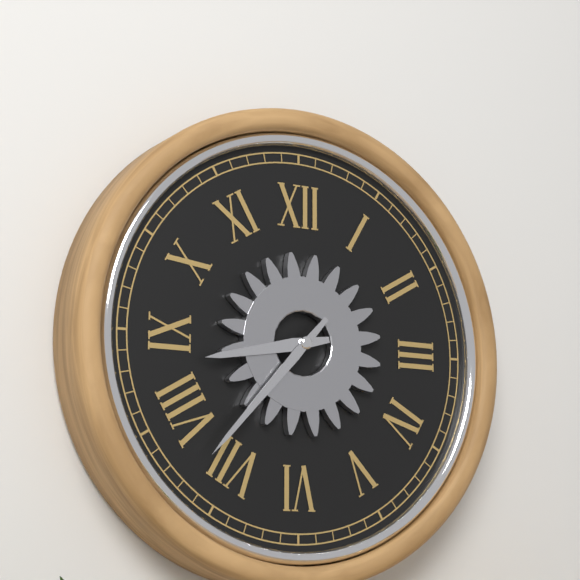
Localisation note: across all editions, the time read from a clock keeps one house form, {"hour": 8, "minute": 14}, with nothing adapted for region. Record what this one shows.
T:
{"hour": 8, "minute": 37}
